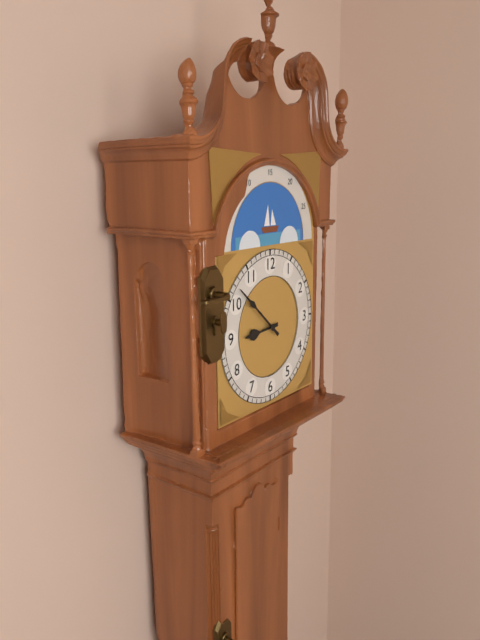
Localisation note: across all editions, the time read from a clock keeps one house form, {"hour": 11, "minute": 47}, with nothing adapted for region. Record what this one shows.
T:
{"hour": 8, "minute": 52}
